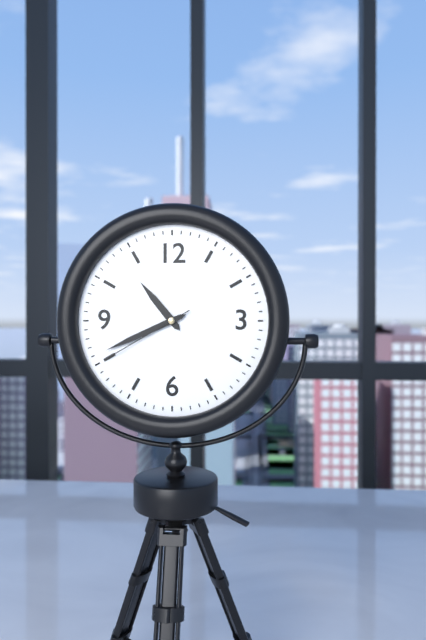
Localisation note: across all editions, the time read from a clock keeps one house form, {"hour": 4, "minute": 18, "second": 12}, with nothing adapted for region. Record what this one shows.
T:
{"hour": 10, "minute": 41, "second": 40}
